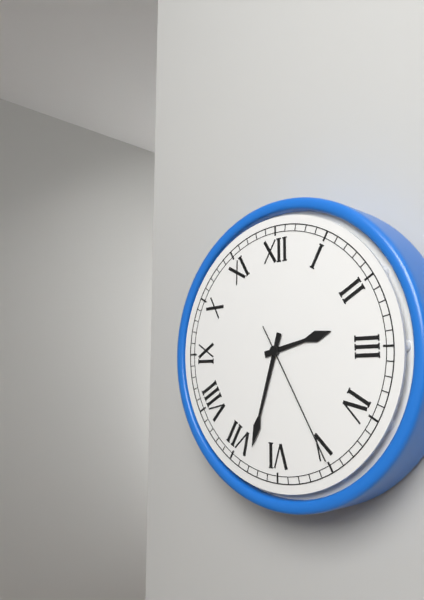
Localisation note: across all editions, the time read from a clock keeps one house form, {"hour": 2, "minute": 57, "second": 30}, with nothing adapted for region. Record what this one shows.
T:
{"hour": 2, "minute": 33, "second": 25}
